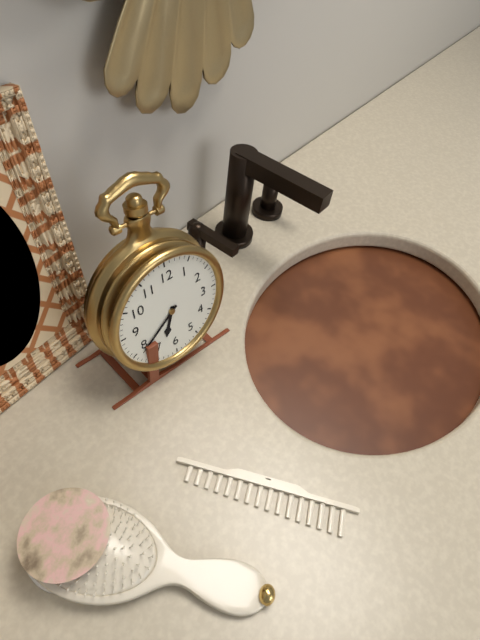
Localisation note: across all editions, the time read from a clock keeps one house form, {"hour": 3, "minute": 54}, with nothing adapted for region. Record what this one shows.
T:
{"hour": 6, "minute": 39}
